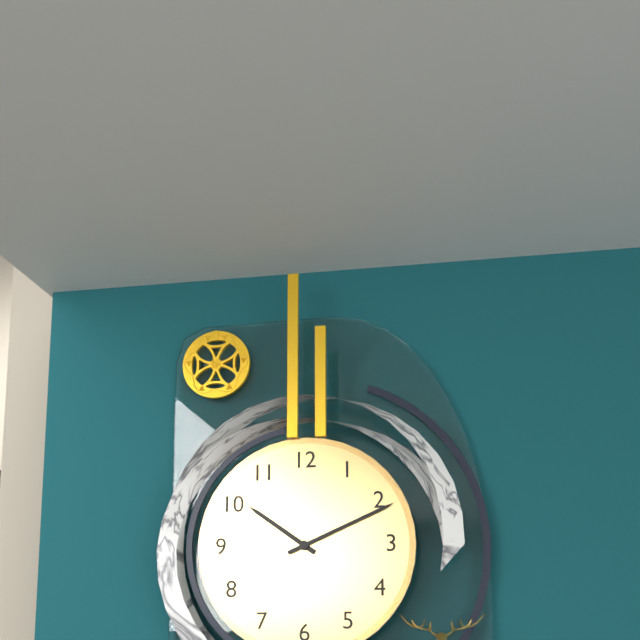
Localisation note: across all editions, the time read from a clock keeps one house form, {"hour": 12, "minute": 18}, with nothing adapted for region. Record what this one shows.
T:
{"hour": 10, "minute": 11}
